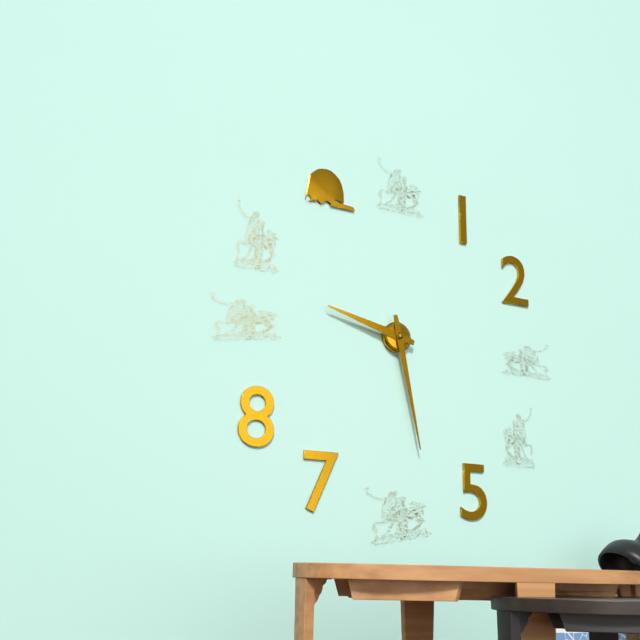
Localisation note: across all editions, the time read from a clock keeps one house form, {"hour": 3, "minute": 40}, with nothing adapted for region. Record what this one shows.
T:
{"hour": 9, "minute": 28}
